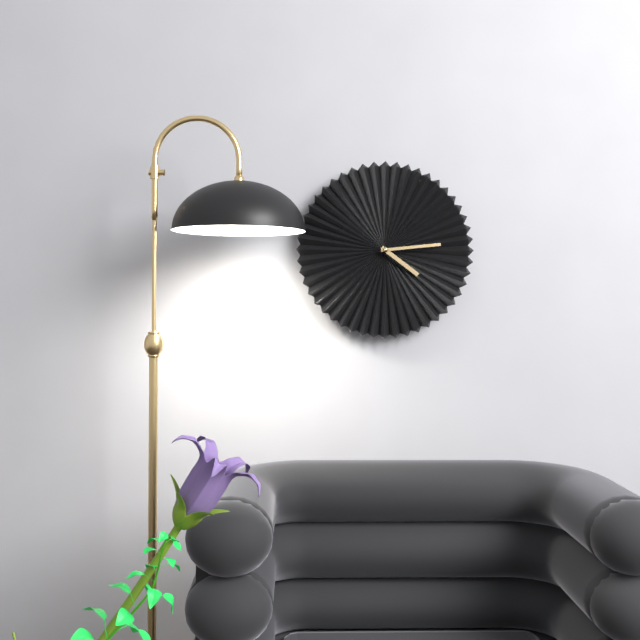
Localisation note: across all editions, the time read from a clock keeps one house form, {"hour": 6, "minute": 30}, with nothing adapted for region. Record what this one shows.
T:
{"hour": 4, "minute": 14}
